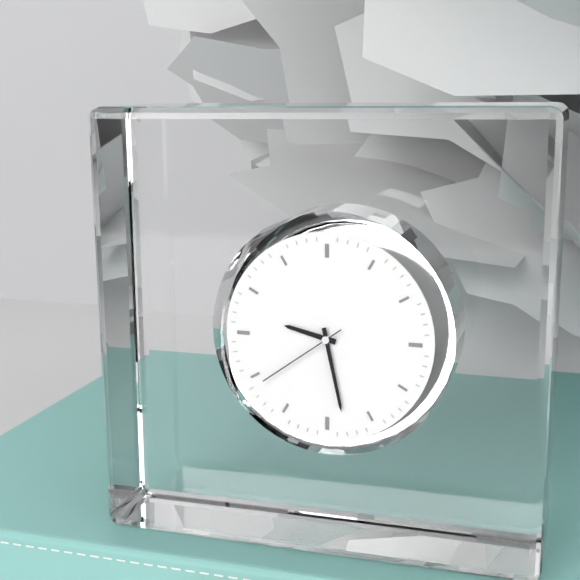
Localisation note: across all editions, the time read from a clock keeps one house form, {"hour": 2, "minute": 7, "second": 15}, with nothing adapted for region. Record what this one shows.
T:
{"hour": 9, "minute": 28, "second": 39}
